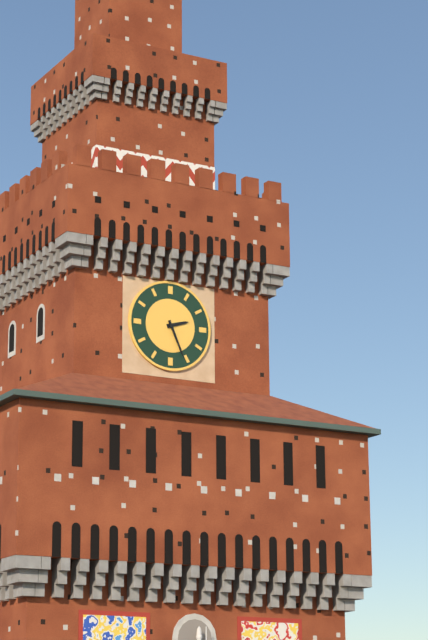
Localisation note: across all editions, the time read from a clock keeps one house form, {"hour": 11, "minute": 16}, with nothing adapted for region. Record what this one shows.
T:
{"hour": 2, "minute": 26}
